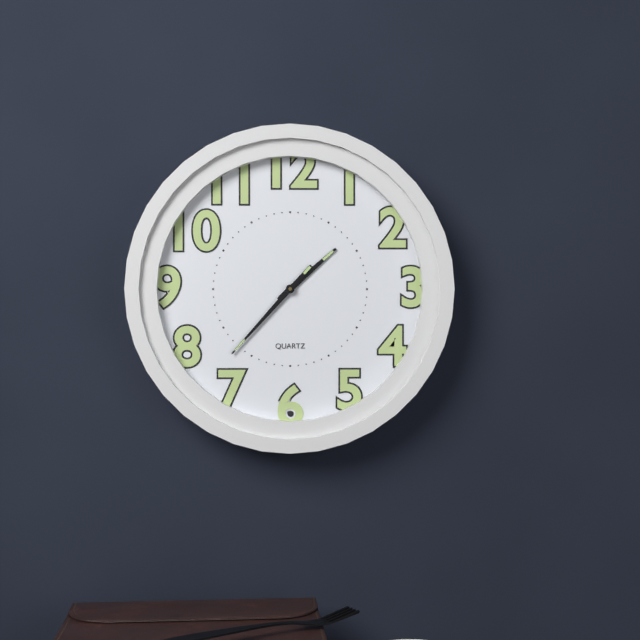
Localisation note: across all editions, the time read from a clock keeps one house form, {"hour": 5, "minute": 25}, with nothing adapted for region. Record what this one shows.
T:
{"hour": 1, "minute": 37}
